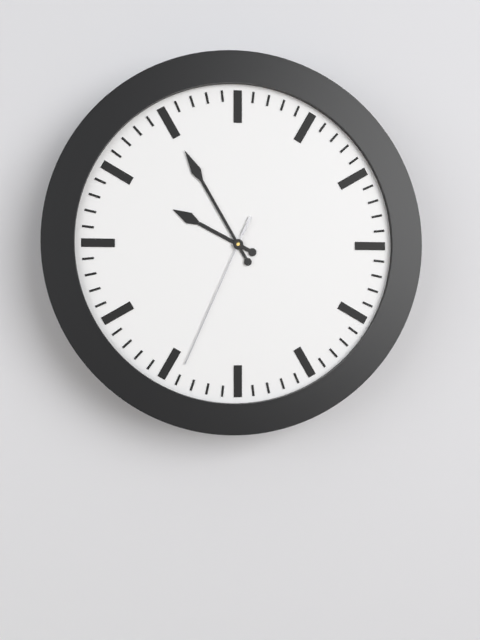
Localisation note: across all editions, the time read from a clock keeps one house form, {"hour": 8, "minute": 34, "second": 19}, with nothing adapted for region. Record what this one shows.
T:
{"hour": 9, "minute": 55, "second": 34}
